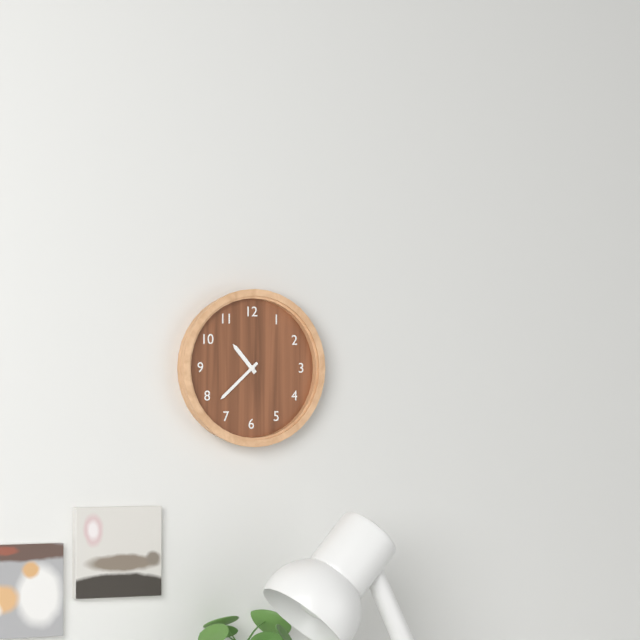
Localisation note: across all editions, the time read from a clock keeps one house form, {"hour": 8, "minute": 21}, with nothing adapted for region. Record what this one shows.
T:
{"hour": 10, "minute": 38}
